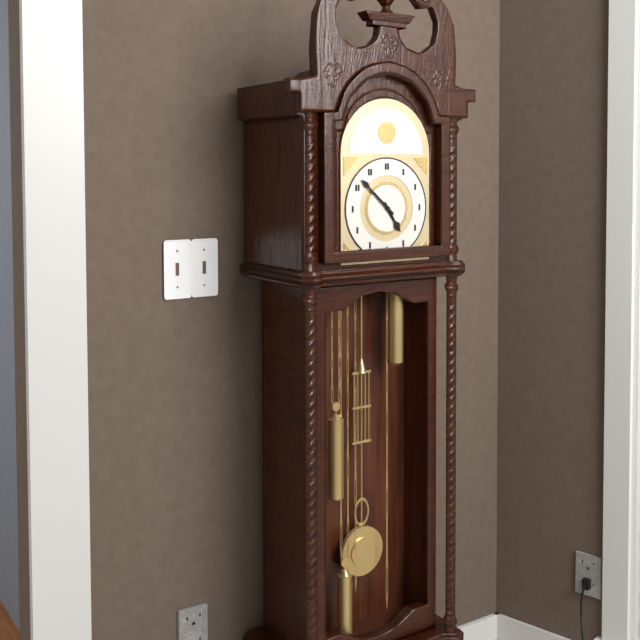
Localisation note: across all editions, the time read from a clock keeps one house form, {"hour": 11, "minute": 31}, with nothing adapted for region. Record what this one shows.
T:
{"hour": 4, "minute": 52}
